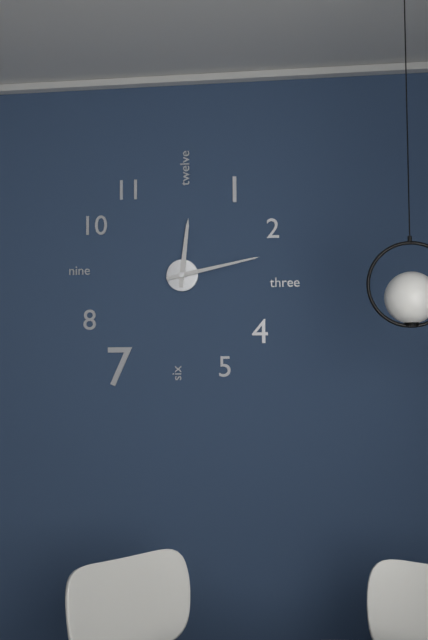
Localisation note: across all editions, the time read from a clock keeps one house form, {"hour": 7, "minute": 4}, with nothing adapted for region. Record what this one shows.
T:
{"hour": 12, "minute": 13}
